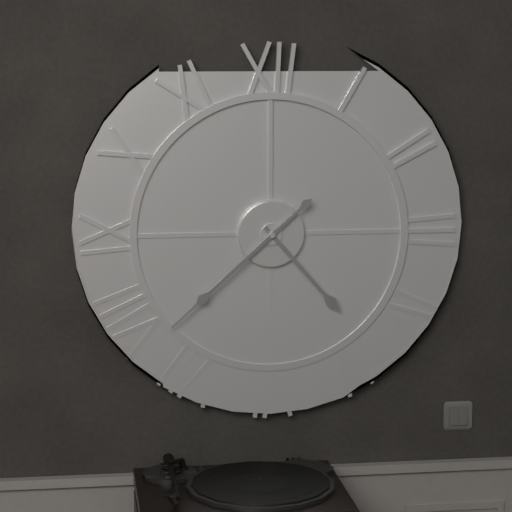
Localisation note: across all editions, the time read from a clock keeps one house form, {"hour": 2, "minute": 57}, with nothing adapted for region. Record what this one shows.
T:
{"hour": 4, "minute": 38}
